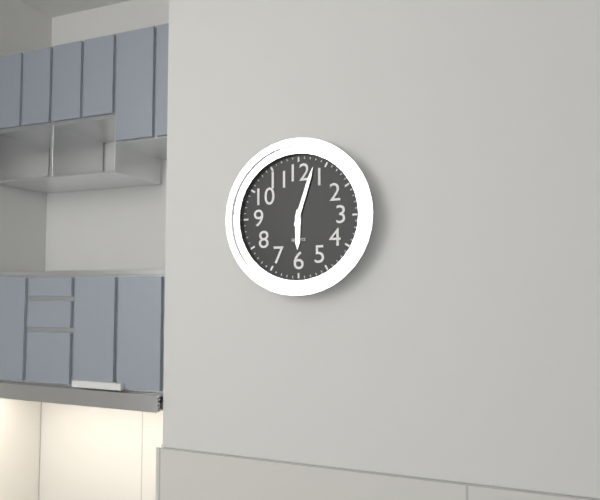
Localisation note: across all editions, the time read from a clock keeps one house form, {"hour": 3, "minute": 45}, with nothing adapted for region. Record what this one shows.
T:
{"hour": 6, "minute": 3}
